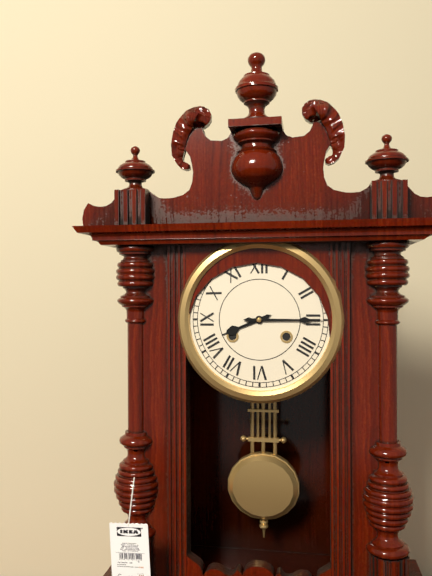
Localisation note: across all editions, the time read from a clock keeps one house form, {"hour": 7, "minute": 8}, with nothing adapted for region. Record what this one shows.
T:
{"hour": 8, "minute": 15}
